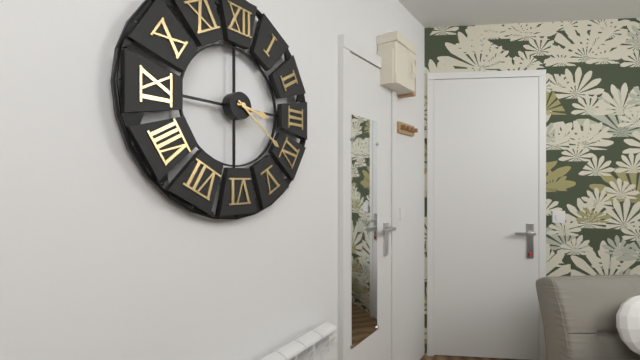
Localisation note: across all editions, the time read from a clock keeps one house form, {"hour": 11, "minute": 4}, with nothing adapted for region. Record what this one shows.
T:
{"hour": 3, "minute": 21}
